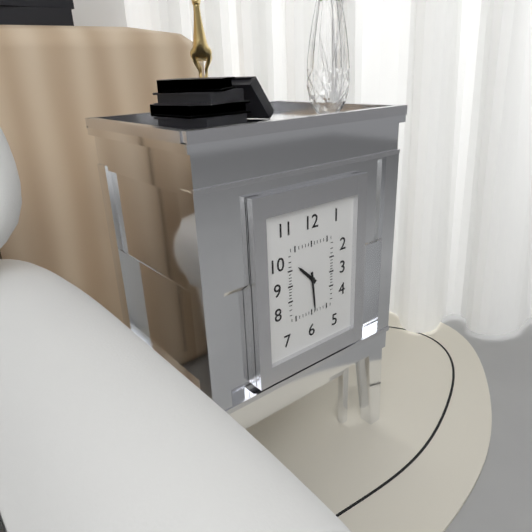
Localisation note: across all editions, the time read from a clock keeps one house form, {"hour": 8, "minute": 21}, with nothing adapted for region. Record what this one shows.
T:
{"hour": 10, "minute": 29}
